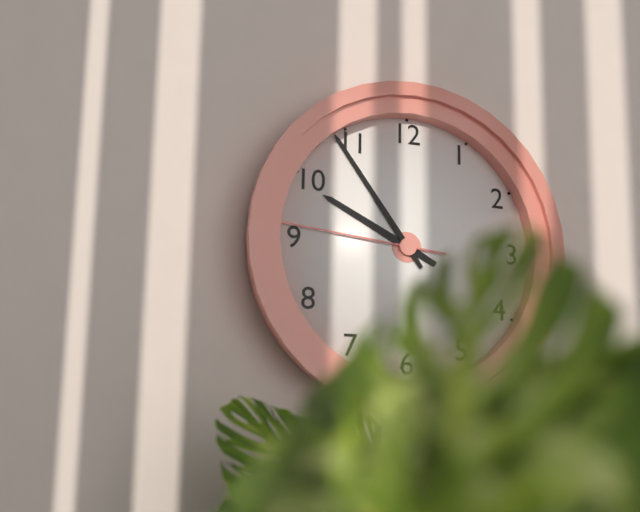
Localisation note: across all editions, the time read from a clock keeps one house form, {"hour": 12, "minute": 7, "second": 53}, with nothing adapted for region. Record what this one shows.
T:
{"hour": 9, "minute": 54, "second": 46}
